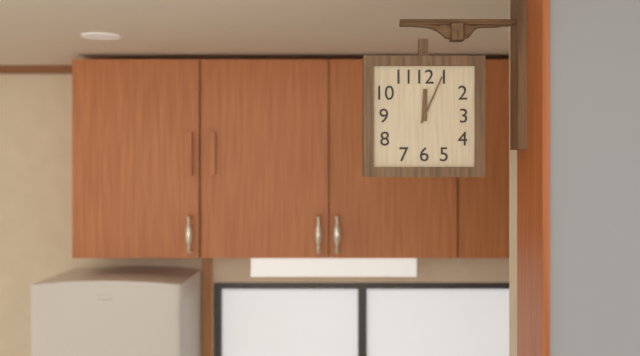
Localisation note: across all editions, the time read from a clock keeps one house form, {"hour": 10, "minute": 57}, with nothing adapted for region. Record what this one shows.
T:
{"hour": 12, "minute": 4}
